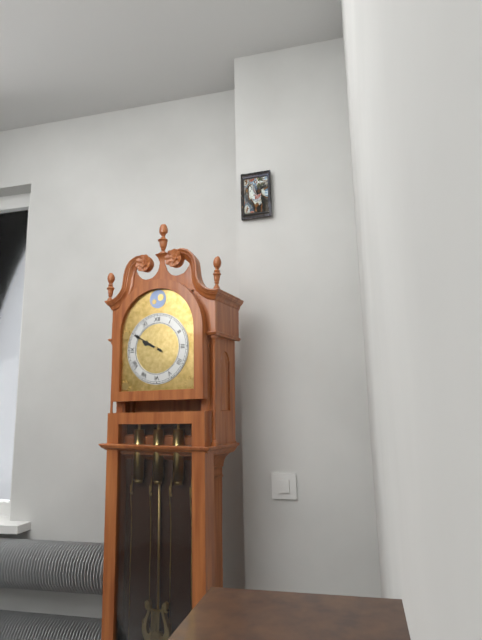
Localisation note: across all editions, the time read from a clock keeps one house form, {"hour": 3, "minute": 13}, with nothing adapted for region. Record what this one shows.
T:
{"hour": 9, "minute": 50}
